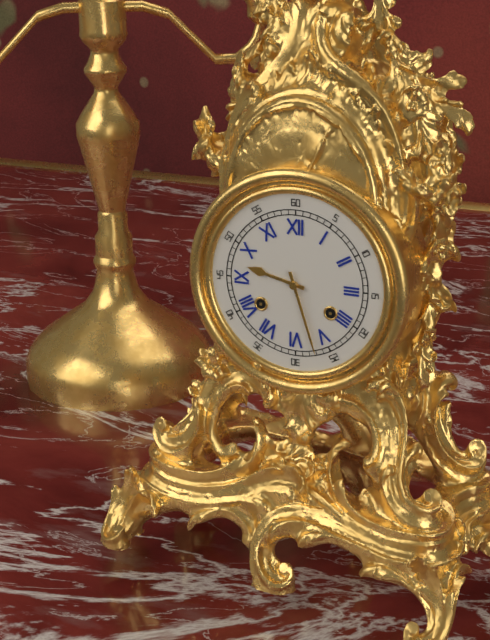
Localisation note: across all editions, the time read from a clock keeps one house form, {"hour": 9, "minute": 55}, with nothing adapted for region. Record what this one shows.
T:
{"hour": 9, "minute": 27}
